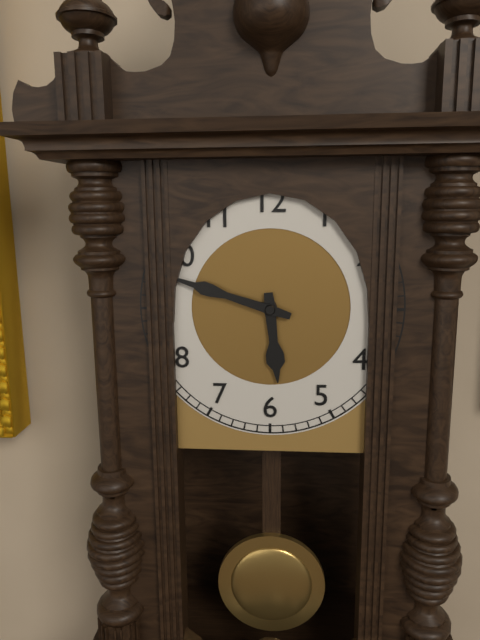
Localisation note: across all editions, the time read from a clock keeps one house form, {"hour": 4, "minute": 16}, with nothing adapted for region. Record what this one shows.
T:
{"hour": 5, "minute": 48}
